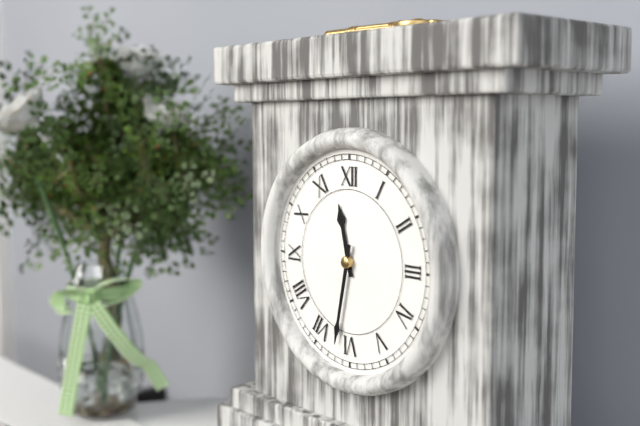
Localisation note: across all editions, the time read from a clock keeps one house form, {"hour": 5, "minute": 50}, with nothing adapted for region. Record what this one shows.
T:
{"hour": 11, "minute": 32}
